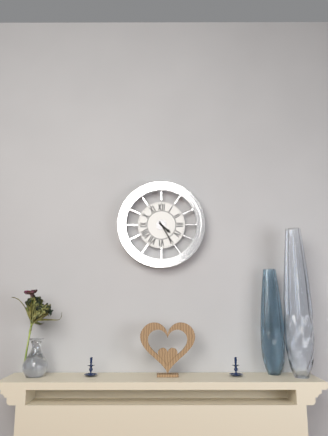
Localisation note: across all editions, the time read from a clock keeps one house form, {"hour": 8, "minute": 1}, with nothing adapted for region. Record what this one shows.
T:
{"hour": 4, "minute": 25}
